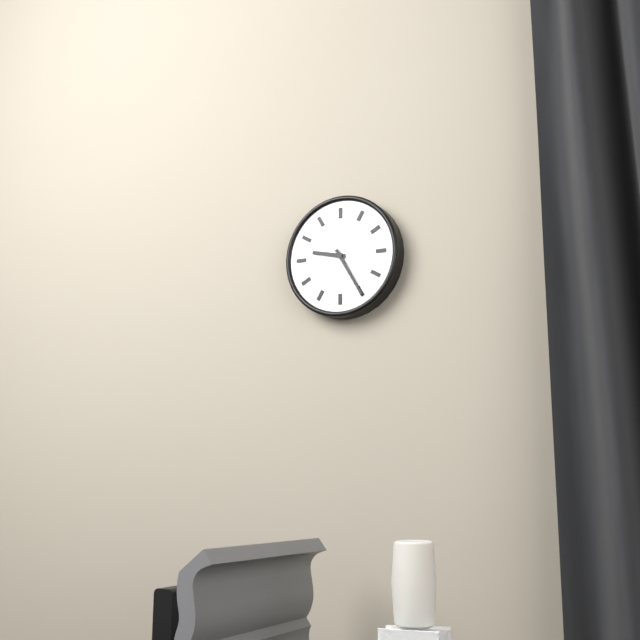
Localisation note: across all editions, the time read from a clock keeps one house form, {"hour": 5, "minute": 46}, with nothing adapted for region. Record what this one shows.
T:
{"hour": 9, "minute": 25}
